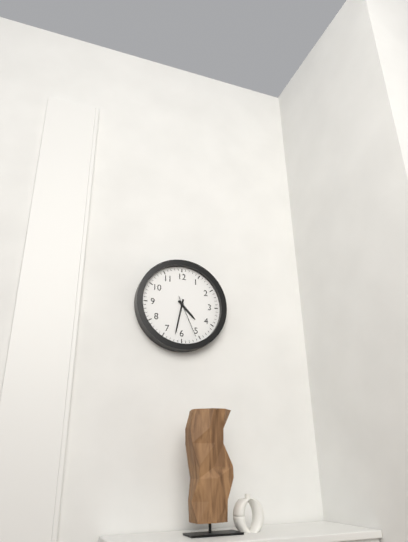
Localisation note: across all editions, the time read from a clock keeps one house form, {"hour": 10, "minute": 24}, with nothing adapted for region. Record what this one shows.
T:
{"hour": 4, "minute": 32}
